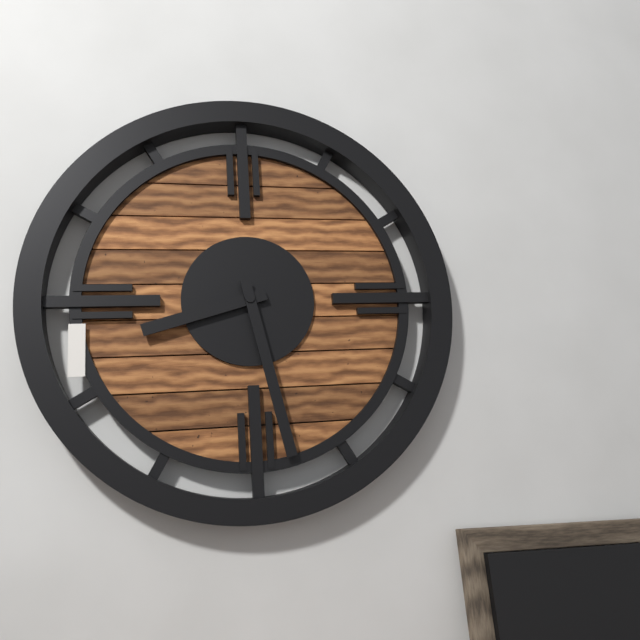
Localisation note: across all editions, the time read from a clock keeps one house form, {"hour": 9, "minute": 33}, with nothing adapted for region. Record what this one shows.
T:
{"hour": 8, "minute": 28}
